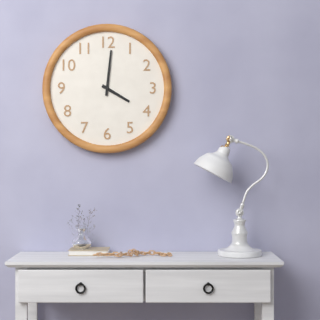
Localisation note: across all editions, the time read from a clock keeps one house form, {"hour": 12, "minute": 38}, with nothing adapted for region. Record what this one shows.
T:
{"hour": 4, "minute": 1}
